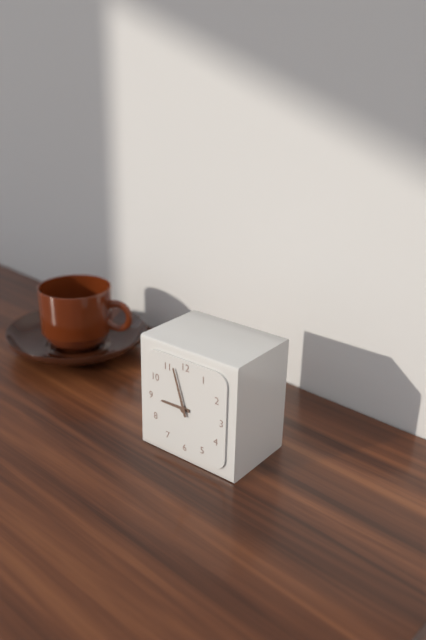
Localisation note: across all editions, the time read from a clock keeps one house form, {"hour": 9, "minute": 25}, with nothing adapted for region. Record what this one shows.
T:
{"hour": 8, "minute": 57}
